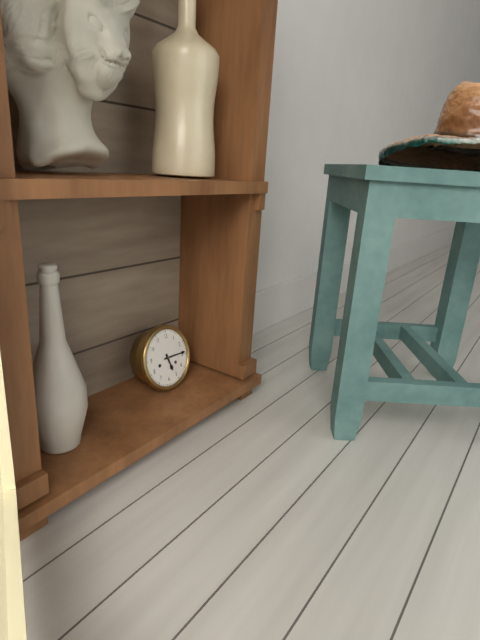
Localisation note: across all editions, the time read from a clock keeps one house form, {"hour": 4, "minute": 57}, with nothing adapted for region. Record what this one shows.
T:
{"hour": 5, "minute": 14}
